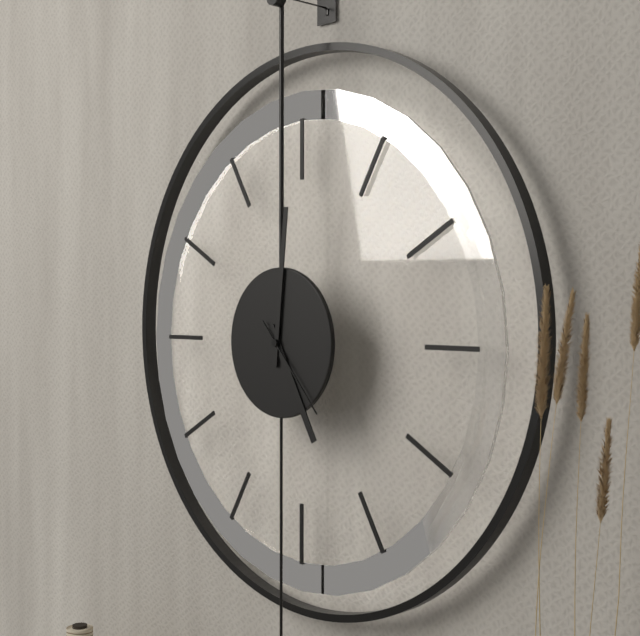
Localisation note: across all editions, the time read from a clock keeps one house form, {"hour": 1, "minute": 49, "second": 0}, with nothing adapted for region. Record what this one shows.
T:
{"hour": 5, "minute": 1, "second": 23}
